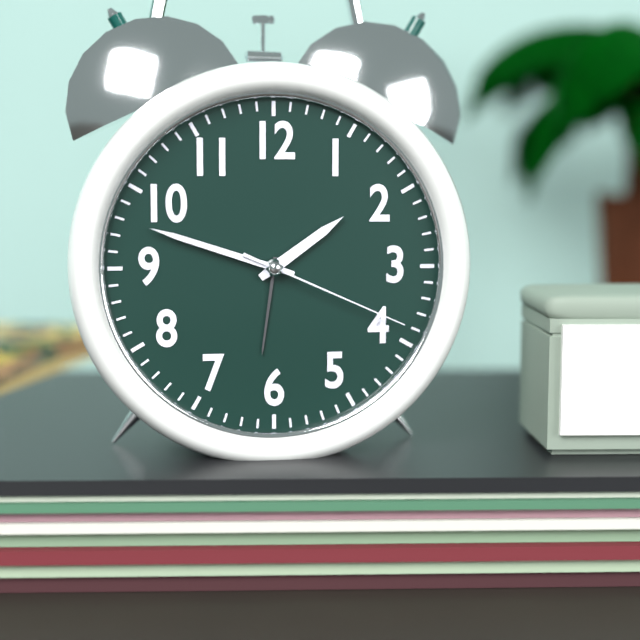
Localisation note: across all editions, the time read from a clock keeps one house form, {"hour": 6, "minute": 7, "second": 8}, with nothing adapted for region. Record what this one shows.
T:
{"hour": 1, "minute": 48, "second": 19}
